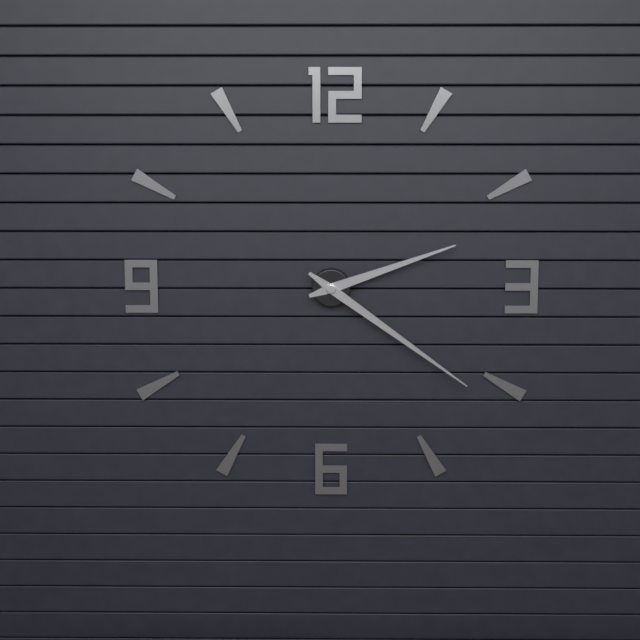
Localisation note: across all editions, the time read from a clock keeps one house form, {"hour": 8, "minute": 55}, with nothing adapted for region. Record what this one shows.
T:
{"hour": 2, "minute": 21}
